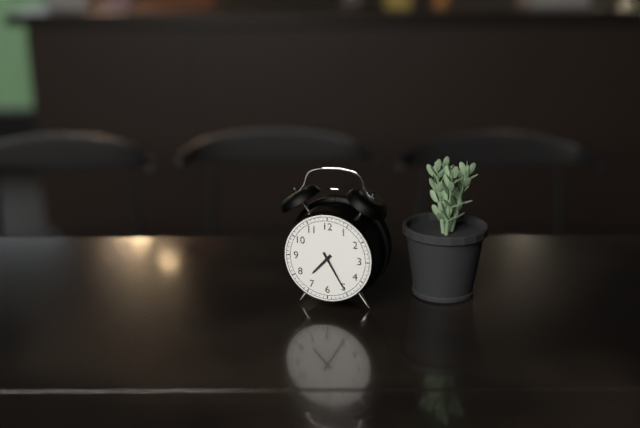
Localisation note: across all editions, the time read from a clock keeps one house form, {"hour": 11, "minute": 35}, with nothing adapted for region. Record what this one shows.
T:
{"hour": 7, "minute": 25}
